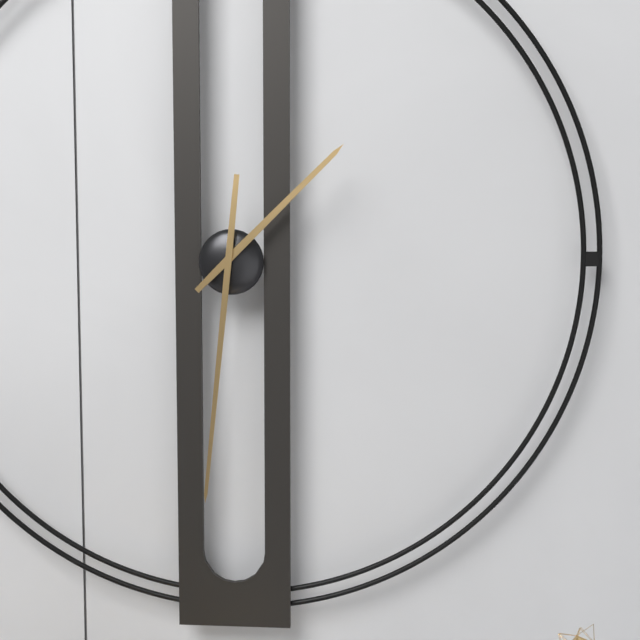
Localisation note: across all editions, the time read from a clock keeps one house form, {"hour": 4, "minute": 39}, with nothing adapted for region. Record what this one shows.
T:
{"hour": 1, "minute": 31}
